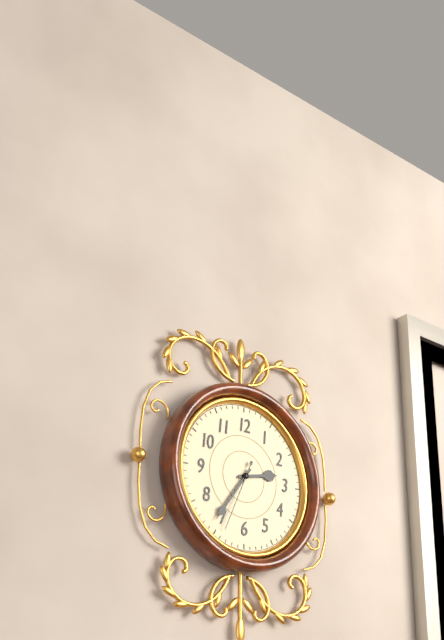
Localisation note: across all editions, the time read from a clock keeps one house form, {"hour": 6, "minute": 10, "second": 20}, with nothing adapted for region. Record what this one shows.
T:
{"hour": 2, "minute": 36, "second": 34}
